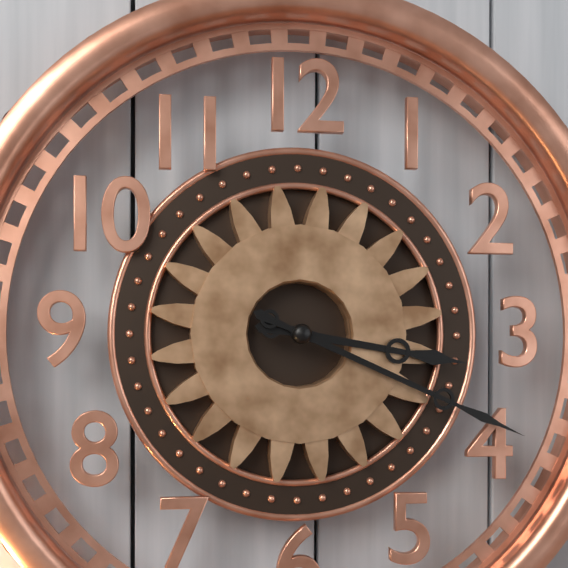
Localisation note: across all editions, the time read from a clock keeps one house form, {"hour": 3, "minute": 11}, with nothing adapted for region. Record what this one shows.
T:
{"hour": 3, "minute": 19}
